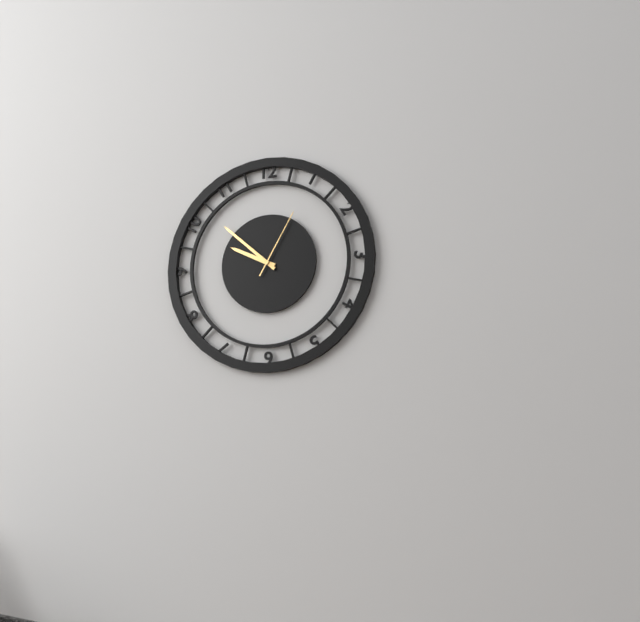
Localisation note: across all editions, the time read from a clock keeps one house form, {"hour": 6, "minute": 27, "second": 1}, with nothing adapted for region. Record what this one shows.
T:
{"hour": 9, "minute": 52, "second": 5}
